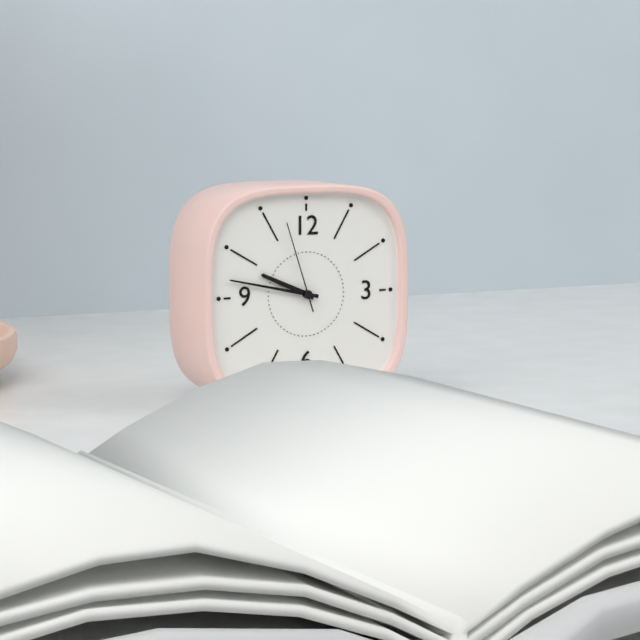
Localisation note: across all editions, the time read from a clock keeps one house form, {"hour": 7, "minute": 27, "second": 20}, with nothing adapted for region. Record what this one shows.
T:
{"hour": 9, "minute": 47, "second": 57}
